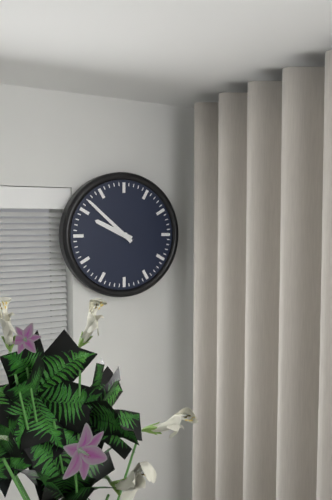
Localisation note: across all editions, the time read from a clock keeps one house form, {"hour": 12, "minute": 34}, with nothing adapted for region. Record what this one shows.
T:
{"hour": 9, "minute": 52}
